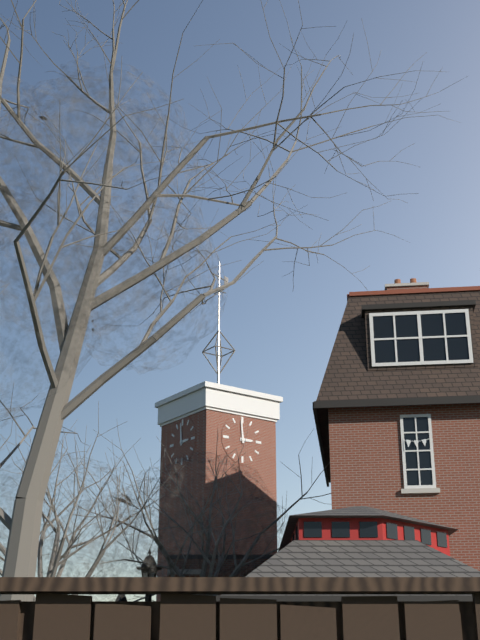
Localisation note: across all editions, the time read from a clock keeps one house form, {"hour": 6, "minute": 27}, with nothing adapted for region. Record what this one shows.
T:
{"hour": 2, "minute": 59}
